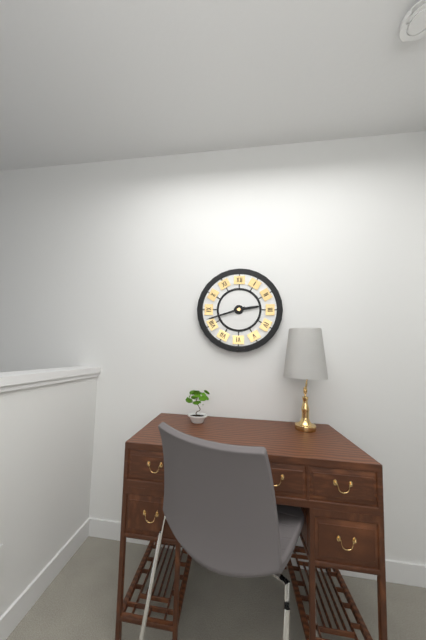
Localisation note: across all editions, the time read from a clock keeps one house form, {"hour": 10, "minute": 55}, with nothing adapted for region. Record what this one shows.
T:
{"hour": 2, "minute": 42}
